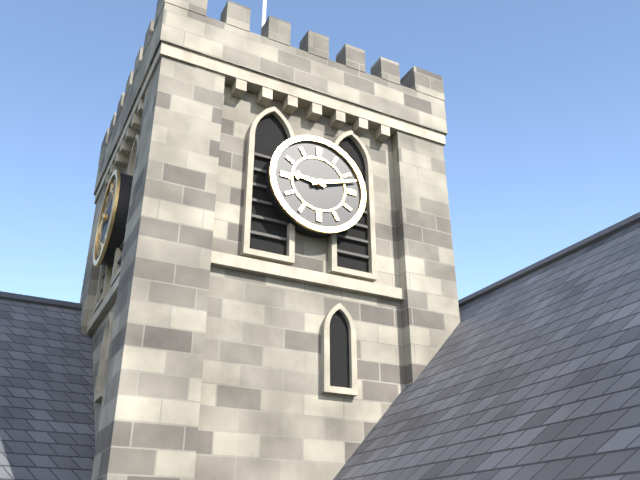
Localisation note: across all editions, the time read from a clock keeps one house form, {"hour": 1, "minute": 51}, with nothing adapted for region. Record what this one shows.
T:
{"hour": 9, "minute": 12}
